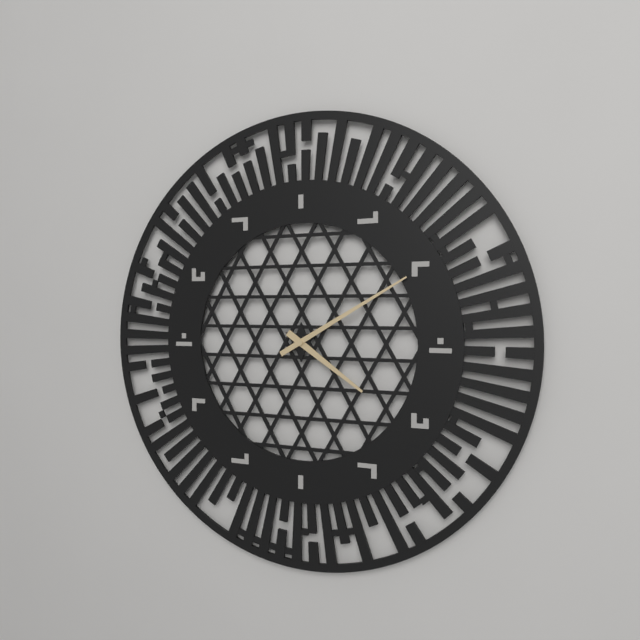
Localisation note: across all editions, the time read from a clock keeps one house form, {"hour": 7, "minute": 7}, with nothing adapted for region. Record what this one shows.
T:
{"hour": 4, "minute": 10}
